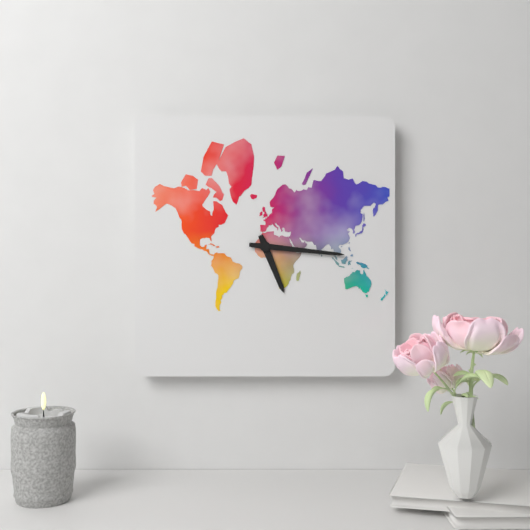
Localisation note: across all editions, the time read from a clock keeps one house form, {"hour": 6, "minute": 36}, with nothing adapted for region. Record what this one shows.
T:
{"hour": 5, "minute": 16}
